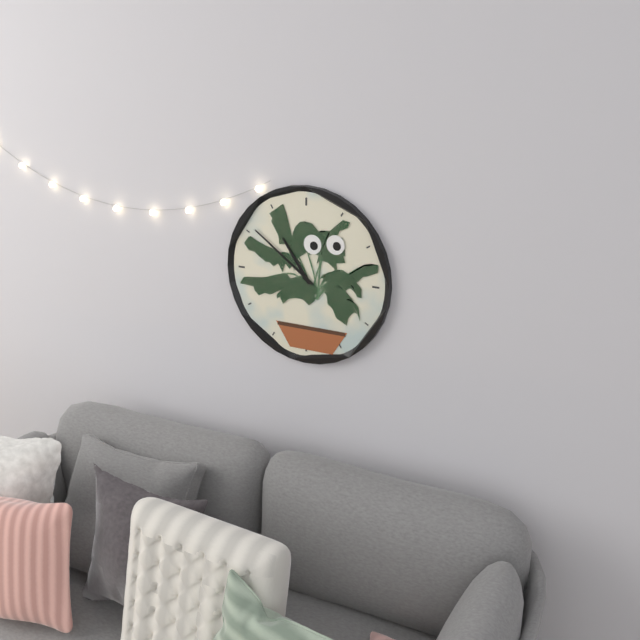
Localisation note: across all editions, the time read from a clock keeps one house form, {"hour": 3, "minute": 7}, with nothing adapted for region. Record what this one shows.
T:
{"hour": 10, "minute": 51}
